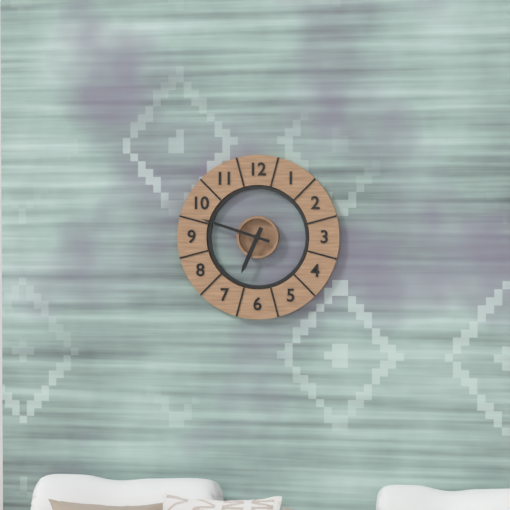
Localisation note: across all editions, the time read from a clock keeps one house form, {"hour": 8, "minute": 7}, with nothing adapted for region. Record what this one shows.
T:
{"hour": 6, "minute": 48}
